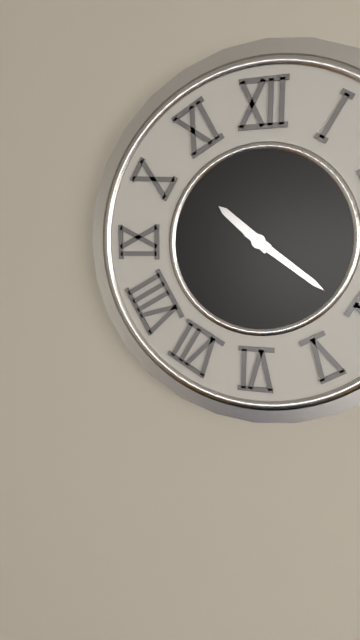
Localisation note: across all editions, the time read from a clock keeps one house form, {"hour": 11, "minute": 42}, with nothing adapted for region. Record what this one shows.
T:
{"hour": 10, "minute": 21}
